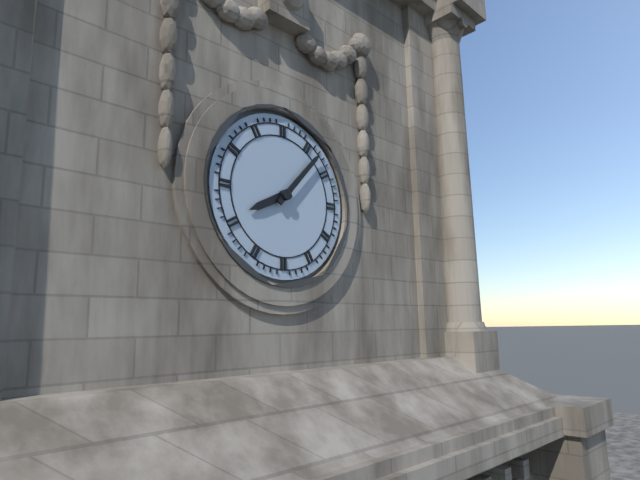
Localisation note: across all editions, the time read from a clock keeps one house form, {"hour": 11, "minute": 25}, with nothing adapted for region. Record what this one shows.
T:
{"hour": 8, "minute": 7}
